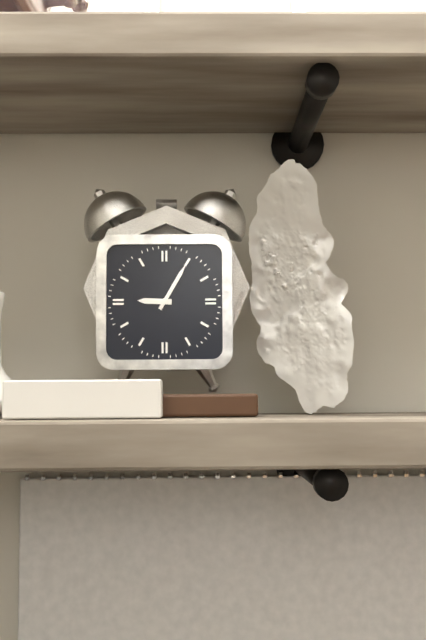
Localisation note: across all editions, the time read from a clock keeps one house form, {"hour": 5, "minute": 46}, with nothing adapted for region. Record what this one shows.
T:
{"hour": 9, "minute": 5}
